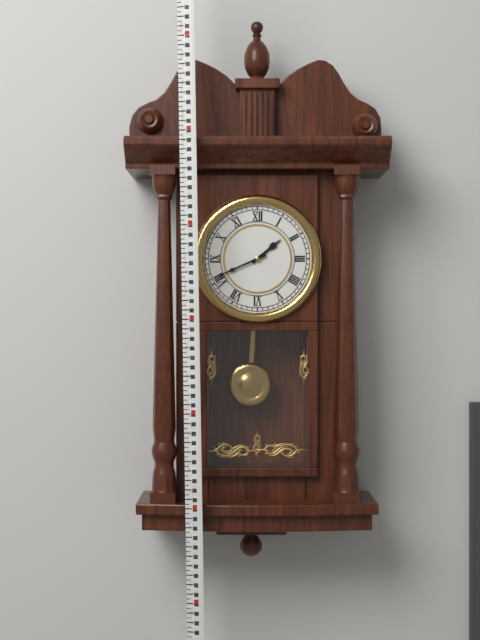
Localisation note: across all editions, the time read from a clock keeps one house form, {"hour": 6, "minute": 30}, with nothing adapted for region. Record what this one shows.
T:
{"hour": 1, "minute": 41}
